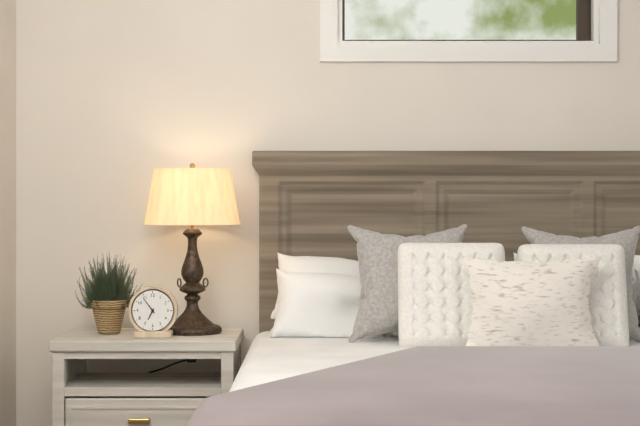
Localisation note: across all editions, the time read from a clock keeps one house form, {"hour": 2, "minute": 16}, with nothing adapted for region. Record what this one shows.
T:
{"hour": 6, "minute": 54}
